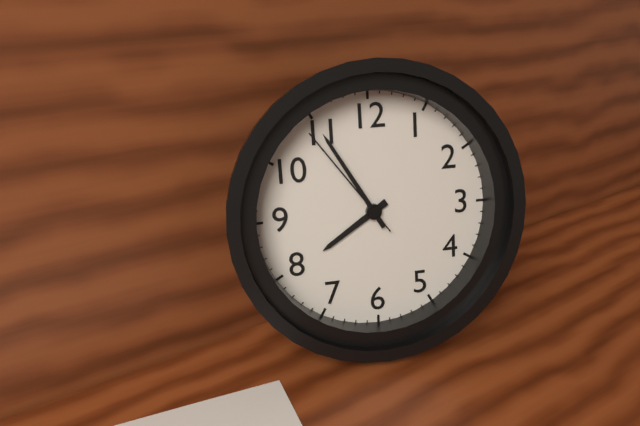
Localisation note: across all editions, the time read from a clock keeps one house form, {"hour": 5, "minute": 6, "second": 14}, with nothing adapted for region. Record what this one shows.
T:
{"hour": 7, "minute": 55, "second": 54}
